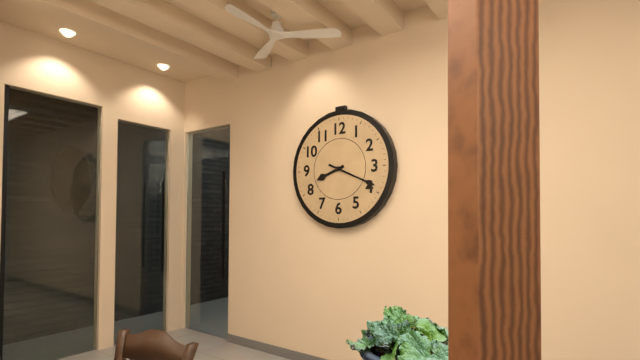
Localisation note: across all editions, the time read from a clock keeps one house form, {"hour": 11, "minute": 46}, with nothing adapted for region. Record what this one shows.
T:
{"hour": 8, "minute": 19}
